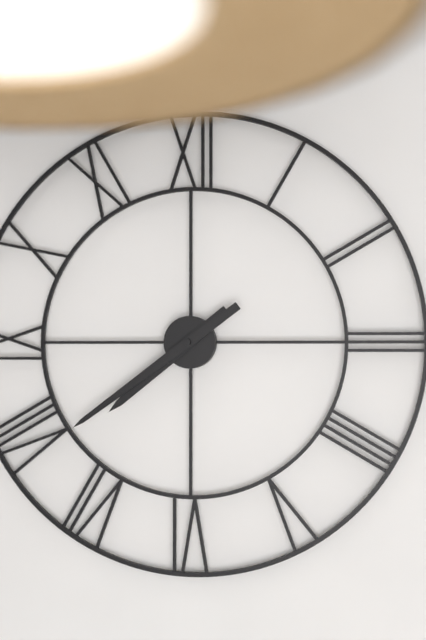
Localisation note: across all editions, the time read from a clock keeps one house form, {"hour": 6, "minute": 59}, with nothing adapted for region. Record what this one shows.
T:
{"hour": 7, "minute": 39}
